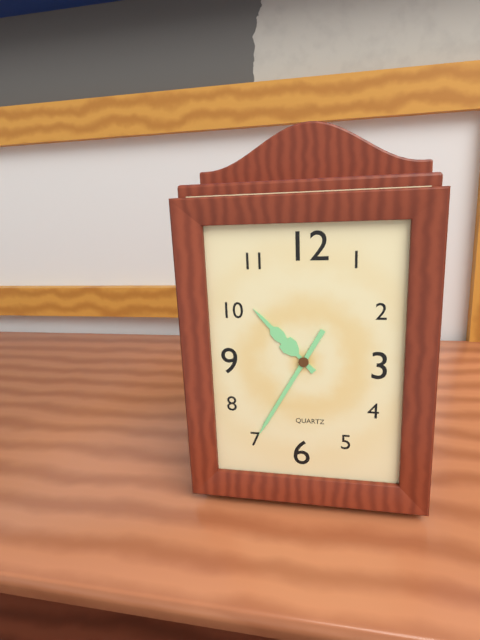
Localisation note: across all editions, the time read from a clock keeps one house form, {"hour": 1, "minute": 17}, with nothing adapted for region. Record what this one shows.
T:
{"hour": 10, "minute": 35}
